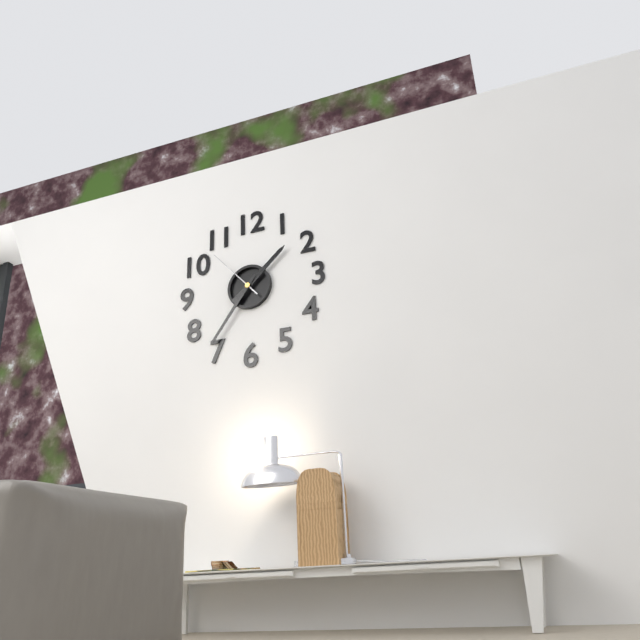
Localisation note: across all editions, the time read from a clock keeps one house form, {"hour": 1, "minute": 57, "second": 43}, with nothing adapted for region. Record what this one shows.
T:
{"hour": 1, "minute": 36, "second": 53}
